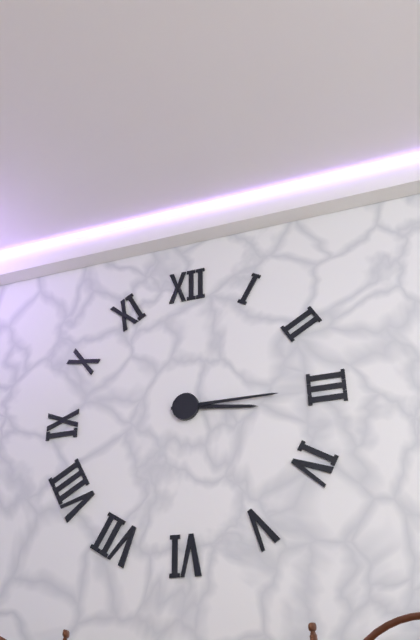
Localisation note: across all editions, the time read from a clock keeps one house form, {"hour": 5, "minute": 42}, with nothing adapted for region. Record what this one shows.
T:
{"hour": 3, "minute": 15}
